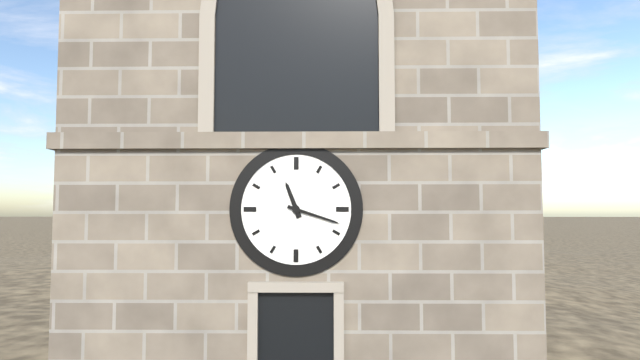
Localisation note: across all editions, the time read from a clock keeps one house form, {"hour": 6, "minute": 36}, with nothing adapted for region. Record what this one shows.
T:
{"hour": 11, "minute": 18}
